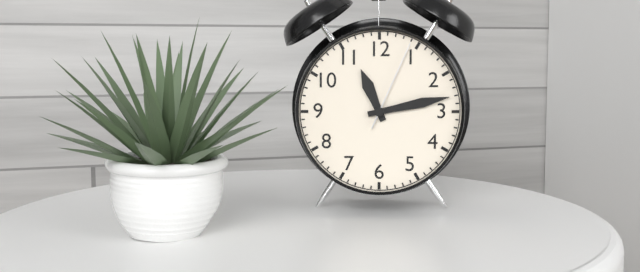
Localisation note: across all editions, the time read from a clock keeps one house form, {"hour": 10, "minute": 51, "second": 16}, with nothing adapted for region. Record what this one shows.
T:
{"hour": 11, "minute": 13, "second": 4}
